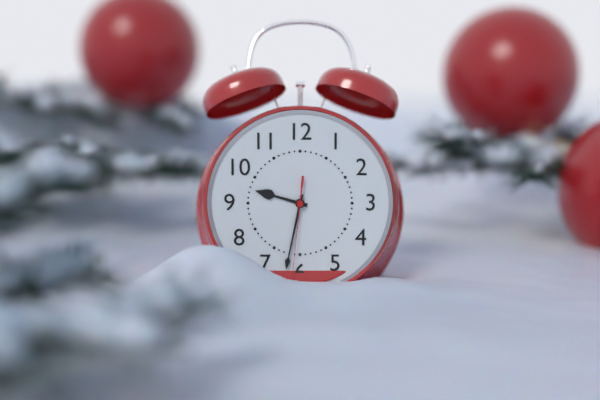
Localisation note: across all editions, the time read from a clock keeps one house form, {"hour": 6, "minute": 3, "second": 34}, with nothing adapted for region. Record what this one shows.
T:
{"hour": 9, "minute": 32, "second": 31}
